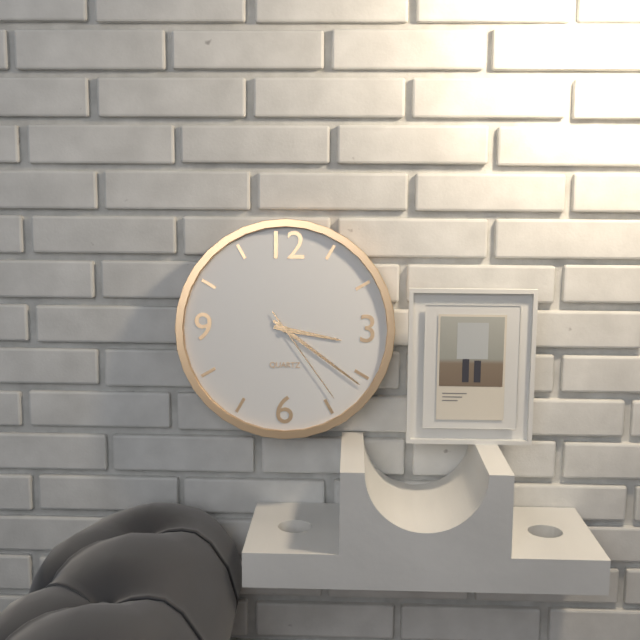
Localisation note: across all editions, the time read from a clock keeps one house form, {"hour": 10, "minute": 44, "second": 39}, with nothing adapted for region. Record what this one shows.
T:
{"hour": 3, "minute": 21, "second": 24}
